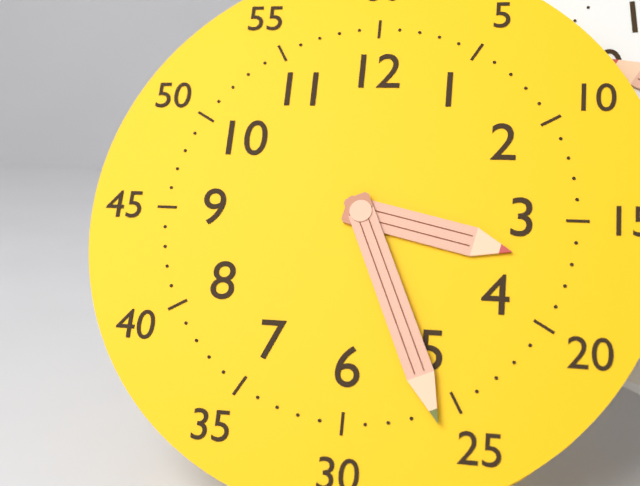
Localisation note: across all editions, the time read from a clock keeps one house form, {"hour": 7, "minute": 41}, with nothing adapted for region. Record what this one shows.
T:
{"hour": 3, "minute": 26}
